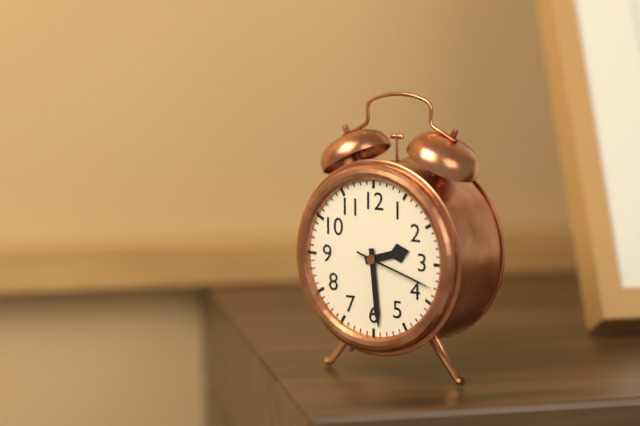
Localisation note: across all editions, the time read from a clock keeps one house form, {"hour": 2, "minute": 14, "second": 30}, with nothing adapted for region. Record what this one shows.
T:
{"hour": 2, "minute": 29, "second": 18}
